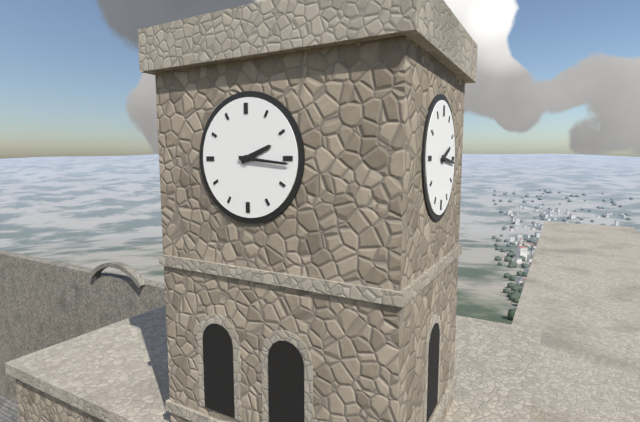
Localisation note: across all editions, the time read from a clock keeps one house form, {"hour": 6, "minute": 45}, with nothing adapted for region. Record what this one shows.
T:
{"hour": 2, "minute": 16}
